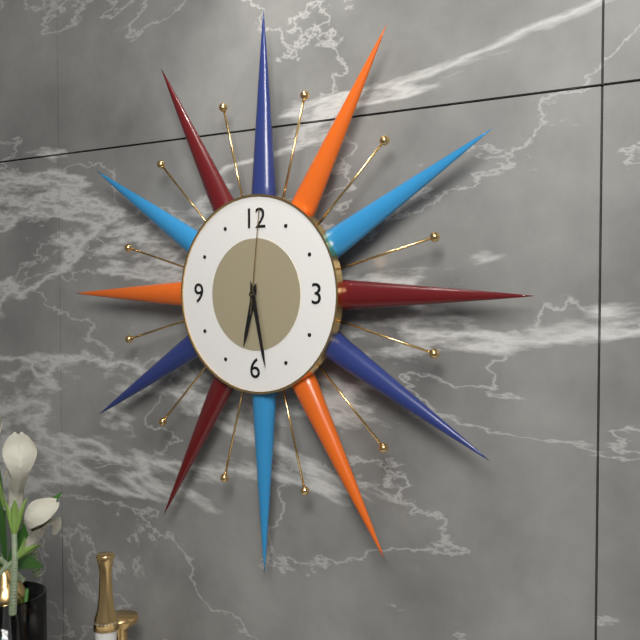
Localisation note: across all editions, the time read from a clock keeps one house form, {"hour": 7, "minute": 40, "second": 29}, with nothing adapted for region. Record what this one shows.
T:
{"hour": 6, "minute": 28, "second": 1}
